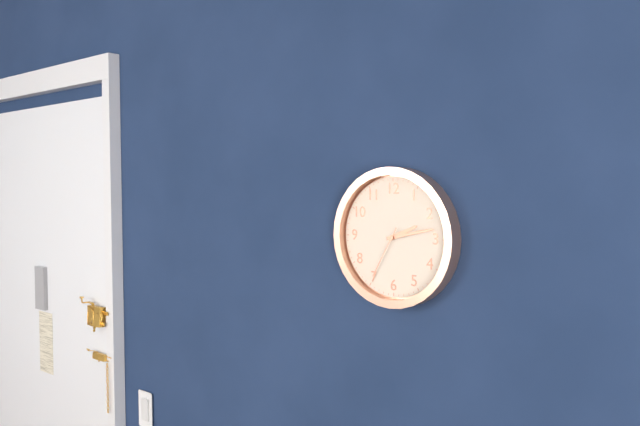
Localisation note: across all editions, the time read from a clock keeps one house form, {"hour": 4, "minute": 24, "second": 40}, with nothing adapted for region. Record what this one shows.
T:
{"hour": 2, "minute": 13, "second": 35}
